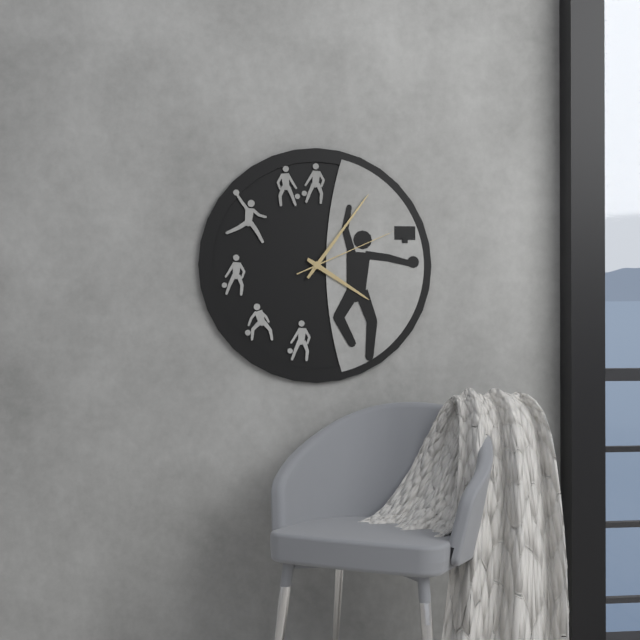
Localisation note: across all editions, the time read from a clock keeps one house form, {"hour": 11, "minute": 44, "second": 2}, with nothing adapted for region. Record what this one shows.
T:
{"hour": 4, "minute": 6, "second": 11}
